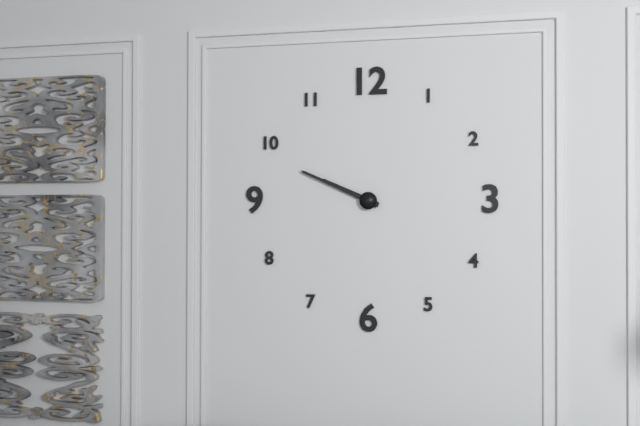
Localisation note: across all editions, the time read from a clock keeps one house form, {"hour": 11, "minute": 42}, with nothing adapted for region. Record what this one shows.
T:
{"hour": 9, "minute": 49}
